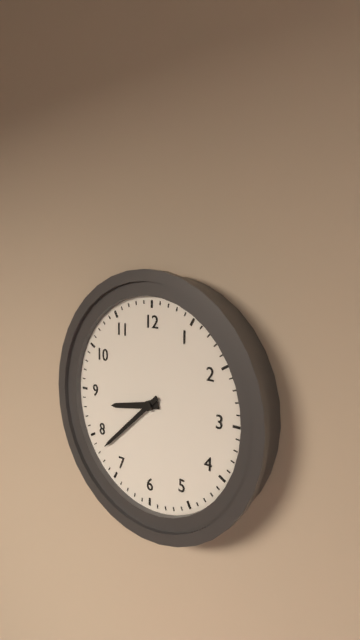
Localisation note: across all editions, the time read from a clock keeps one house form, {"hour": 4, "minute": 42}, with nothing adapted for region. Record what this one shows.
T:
{"hour": 8, "minute": 38}
